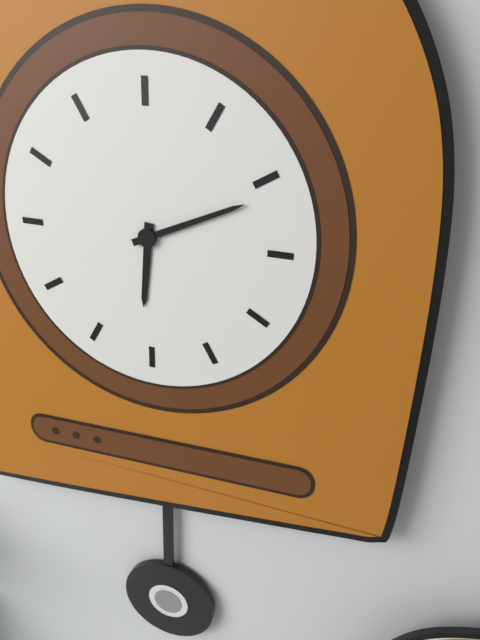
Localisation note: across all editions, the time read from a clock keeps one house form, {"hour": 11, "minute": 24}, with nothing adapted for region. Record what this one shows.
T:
{"hour": 6, "minute": 11}
